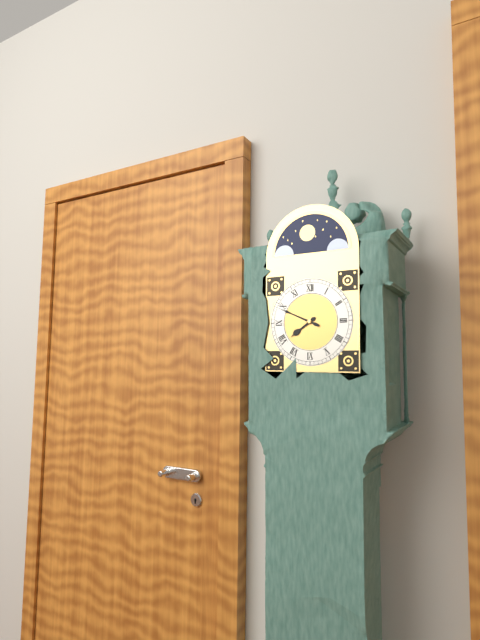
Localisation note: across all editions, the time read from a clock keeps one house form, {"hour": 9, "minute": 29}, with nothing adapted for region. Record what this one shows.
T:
{"hour": 7, "minute": 49}
